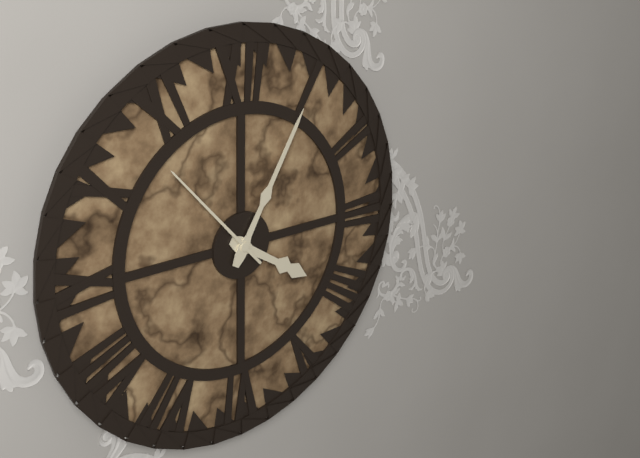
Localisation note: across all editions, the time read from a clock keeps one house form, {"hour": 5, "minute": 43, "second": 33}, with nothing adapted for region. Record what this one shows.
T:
{"hour": 4, "minute": 5, "second": 53}
